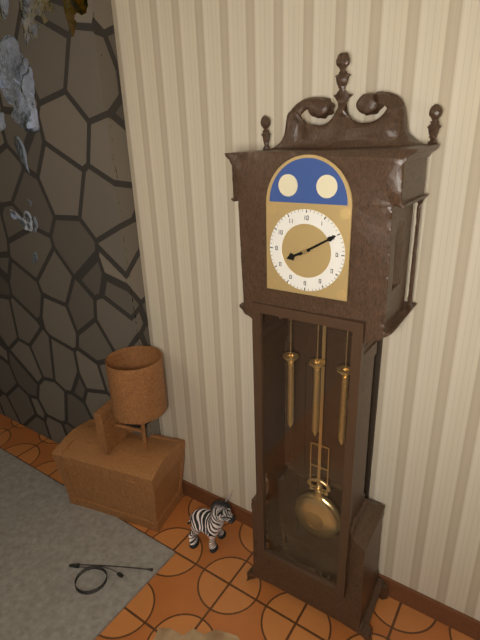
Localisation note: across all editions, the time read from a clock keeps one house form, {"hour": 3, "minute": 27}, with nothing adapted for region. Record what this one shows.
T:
{"hour": 8, "minute": 10}
